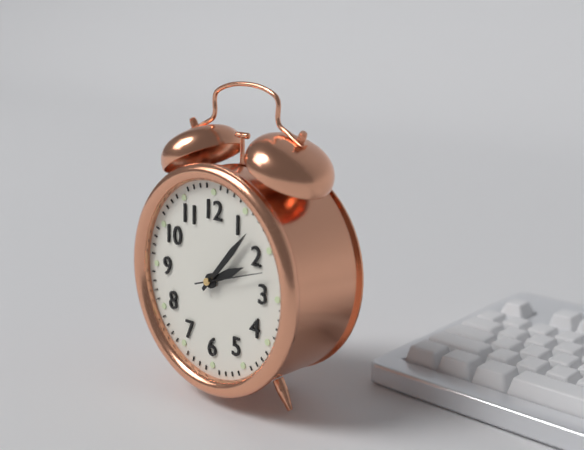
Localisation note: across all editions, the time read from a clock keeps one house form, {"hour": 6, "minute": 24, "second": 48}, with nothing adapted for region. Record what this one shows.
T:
{"hour": 2, "minute": 7, "second": 12}
